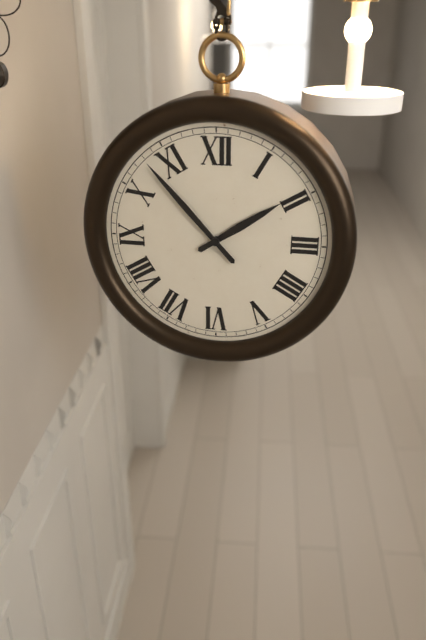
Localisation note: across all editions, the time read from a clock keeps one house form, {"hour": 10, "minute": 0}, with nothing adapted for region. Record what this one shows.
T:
{"hour": 1, "minute": 53}
